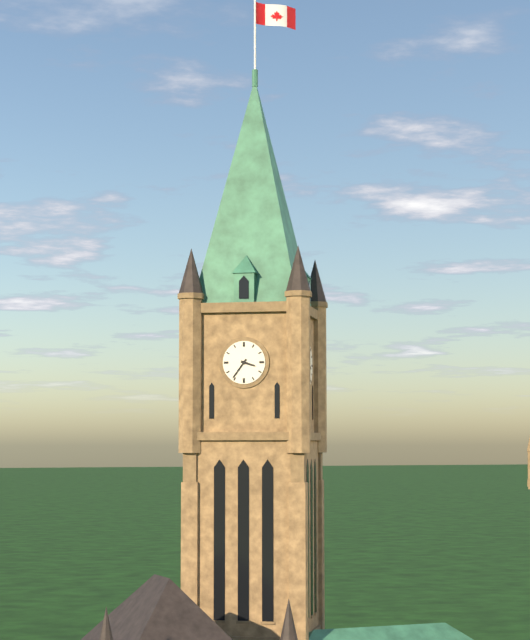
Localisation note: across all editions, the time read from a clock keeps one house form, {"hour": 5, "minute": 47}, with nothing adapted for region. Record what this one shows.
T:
{"hour": 3, "minute": 36}
